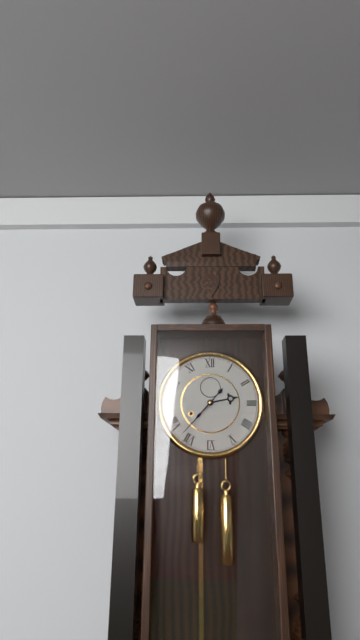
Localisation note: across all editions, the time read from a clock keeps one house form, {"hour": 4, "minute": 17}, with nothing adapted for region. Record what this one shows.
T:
{"hour": 2, "minute": 37}
